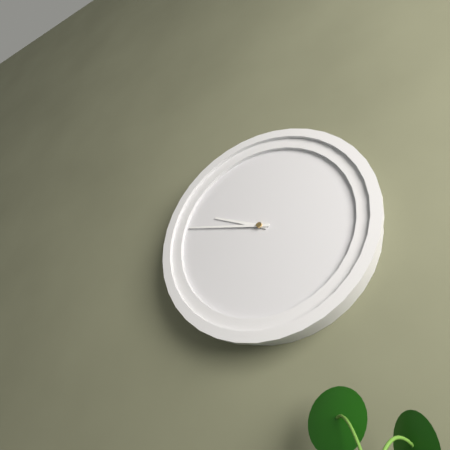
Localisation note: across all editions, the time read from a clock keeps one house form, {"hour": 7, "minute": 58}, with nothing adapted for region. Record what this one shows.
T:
{"hour": 9, "minute": 47}
